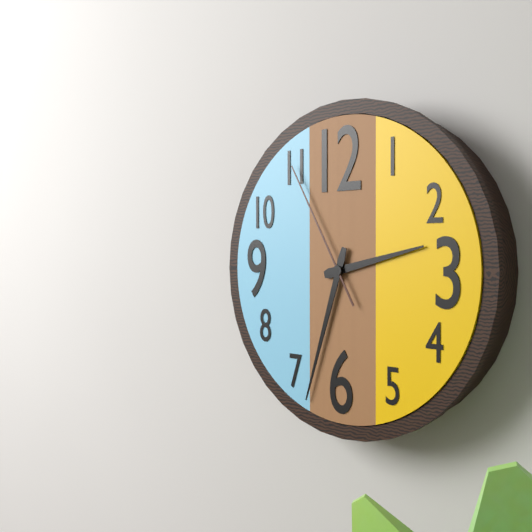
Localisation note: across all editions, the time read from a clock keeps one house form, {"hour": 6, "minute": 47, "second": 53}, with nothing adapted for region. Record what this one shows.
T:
{"hour": 2, "minute": 33, "second": 55}
